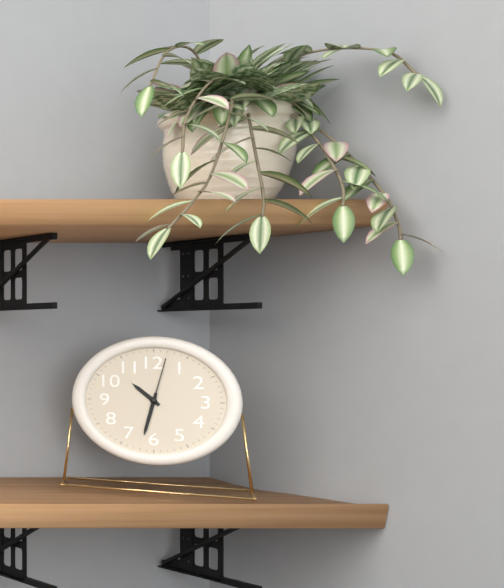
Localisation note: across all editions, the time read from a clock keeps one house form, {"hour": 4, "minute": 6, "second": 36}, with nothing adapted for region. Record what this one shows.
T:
{"hour": 10, "minute": 32, "second": 2}
